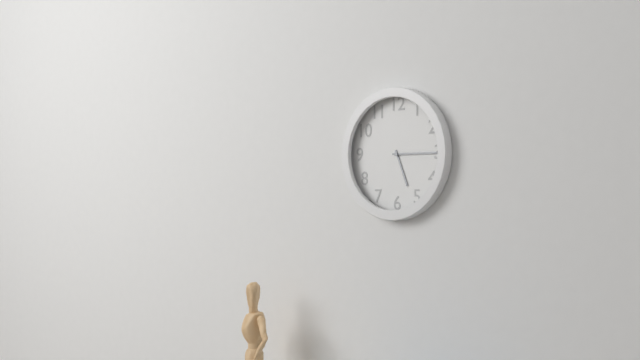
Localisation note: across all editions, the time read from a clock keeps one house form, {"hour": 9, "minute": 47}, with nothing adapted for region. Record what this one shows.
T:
{"hour": 5, "minute": 15}
